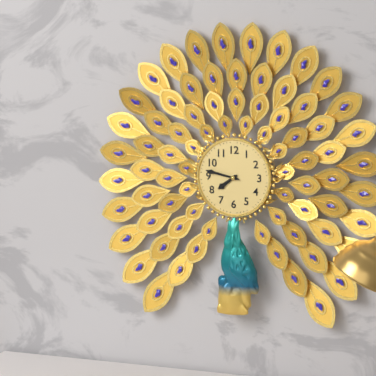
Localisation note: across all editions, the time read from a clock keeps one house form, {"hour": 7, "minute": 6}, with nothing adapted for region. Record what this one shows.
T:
{"hour": 7, "minute": 47}
